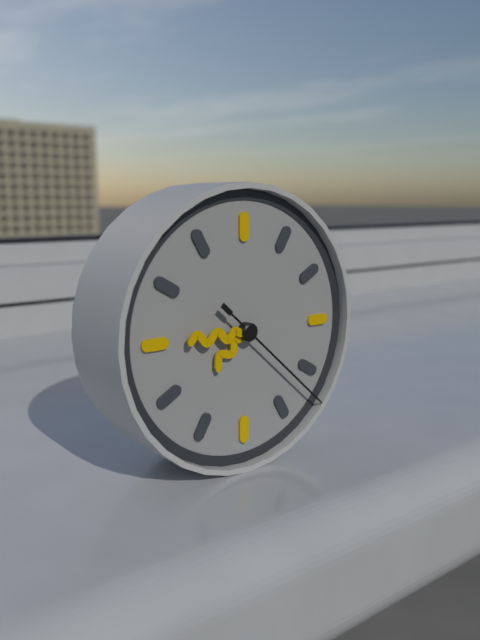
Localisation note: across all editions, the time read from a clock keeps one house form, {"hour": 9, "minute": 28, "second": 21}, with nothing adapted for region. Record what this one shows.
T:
{"hour": 7, "minute": 45, "second": 22}
